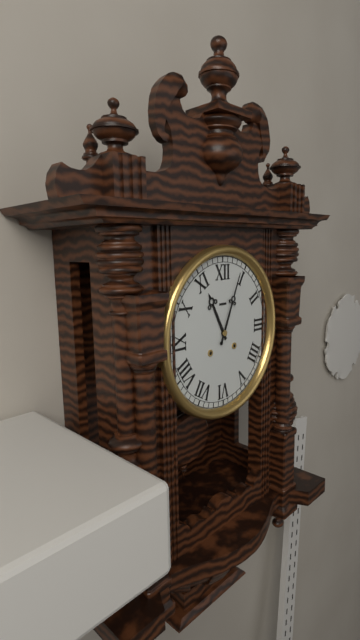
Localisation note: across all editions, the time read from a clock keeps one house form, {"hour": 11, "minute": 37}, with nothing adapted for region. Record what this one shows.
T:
{"hour": 11, "minute": 4}
